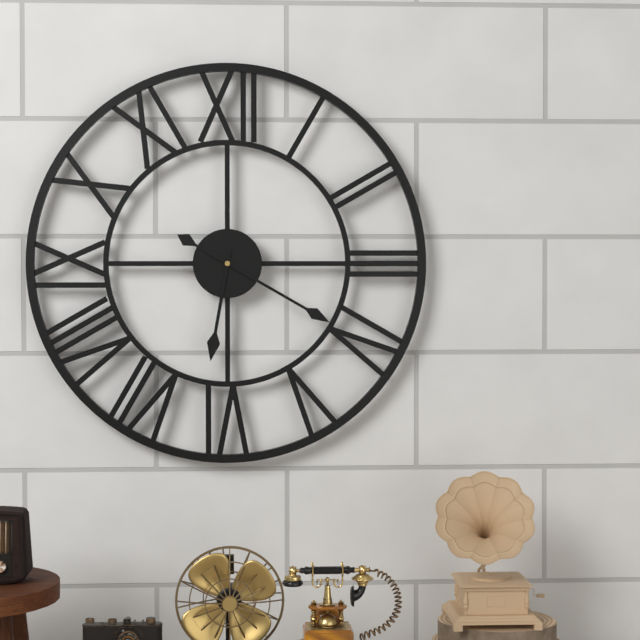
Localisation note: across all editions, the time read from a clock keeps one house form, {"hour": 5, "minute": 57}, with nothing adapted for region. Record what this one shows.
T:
{"hour": 6, "minute": 20}
